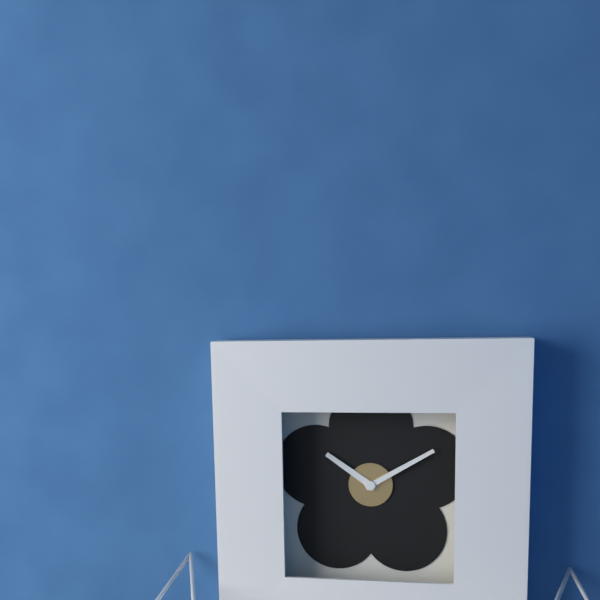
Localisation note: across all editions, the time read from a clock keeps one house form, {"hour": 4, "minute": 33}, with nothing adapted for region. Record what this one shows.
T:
{"hour": 10, "minute": 10}
